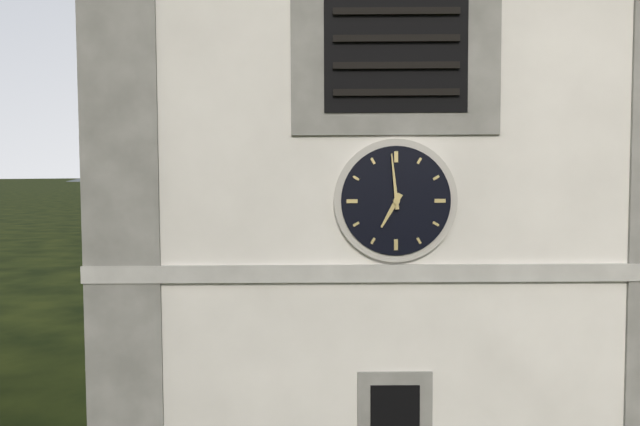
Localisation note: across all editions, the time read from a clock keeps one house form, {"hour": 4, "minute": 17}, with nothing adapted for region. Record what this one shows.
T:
{"hour": 6, "minute": 59}
